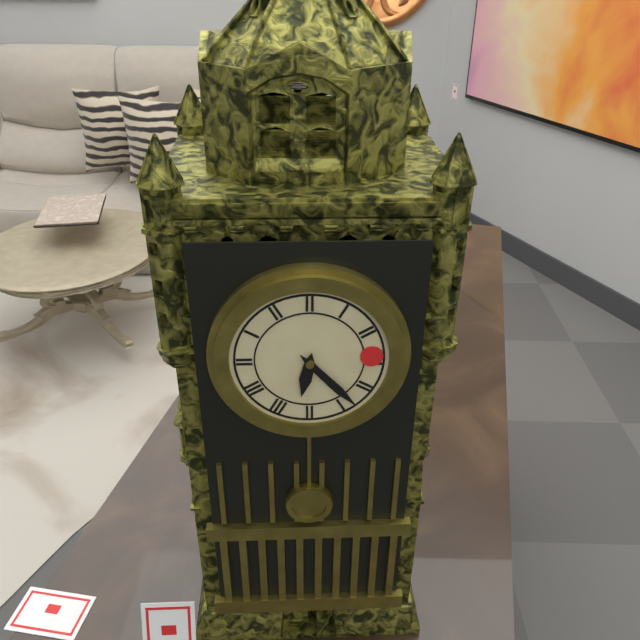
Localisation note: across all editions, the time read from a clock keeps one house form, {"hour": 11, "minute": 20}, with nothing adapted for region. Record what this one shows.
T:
{"hour": 6, "minute": 23}
